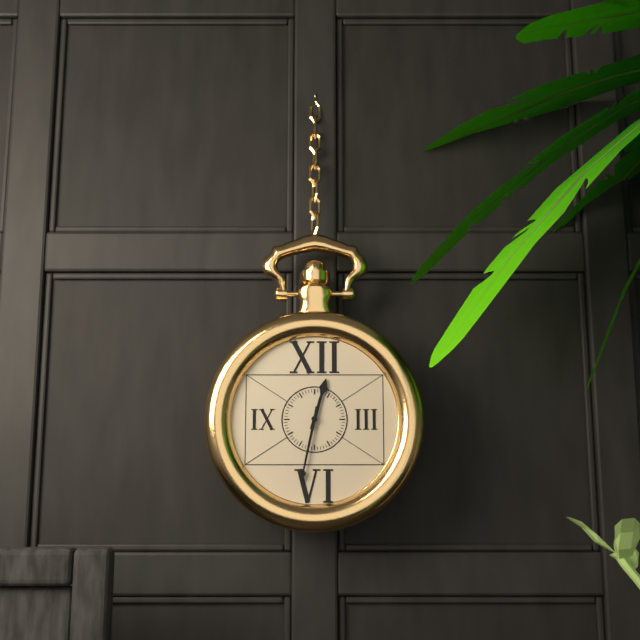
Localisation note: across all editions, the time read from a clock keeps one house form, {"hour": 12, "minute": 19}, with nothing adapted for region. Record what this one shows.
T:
{"hour": 12, "minute": 32}
